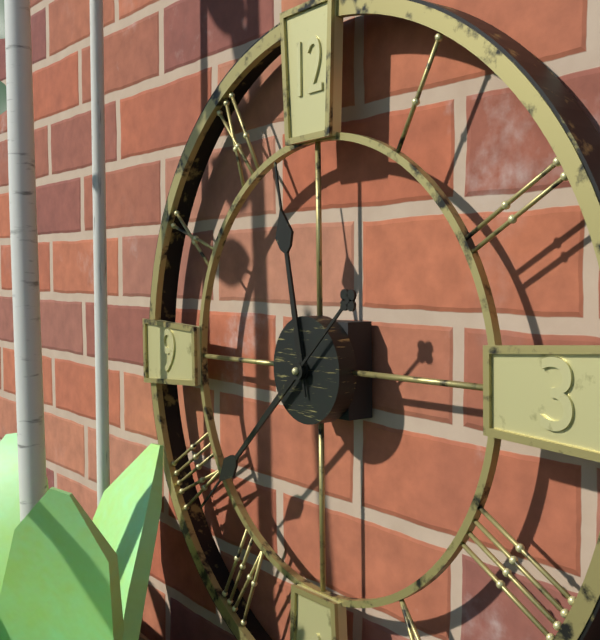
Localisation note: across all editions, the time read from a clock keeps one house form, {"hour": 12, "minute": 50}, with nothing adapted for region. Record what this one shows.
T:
{"hour": 11, "minute": 38}
